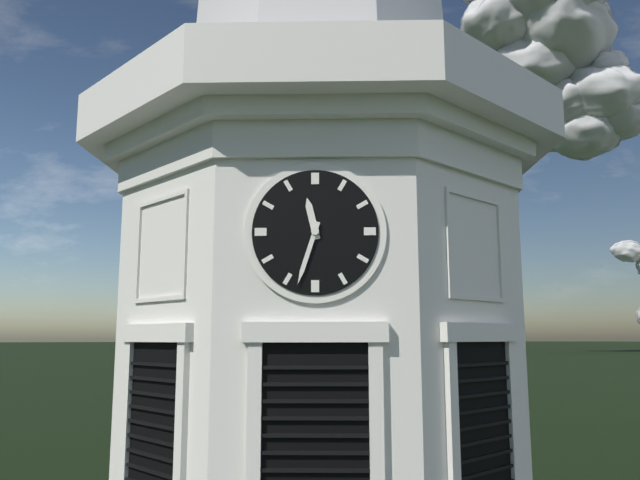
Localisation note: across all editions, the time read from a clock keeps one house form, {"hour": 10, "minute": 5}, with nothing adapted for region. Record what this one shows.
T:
{"hour": 11, "minute": 33}
